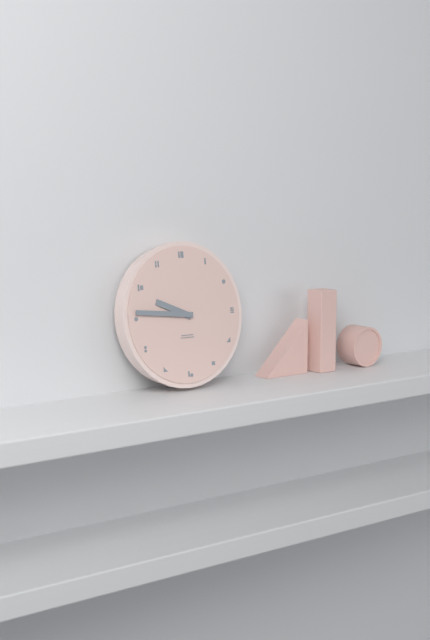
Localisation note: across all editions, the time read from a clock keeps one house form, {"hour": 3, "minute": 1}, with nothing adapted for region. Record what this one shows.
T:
{"hour": 9, "minute": 46}
